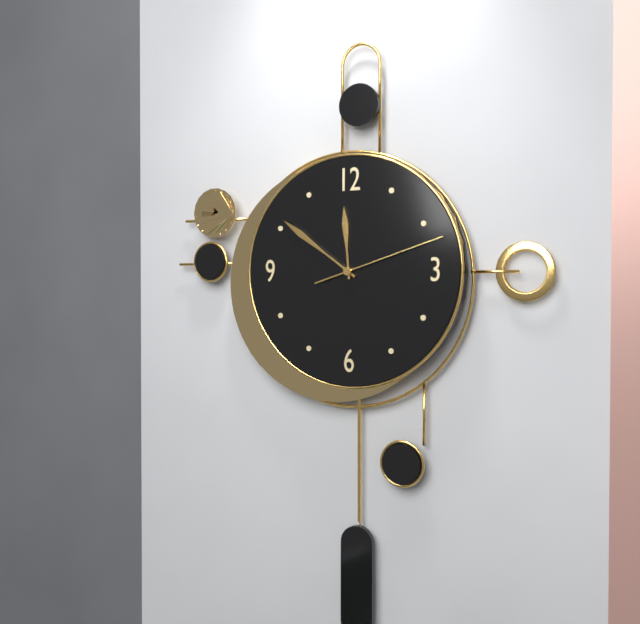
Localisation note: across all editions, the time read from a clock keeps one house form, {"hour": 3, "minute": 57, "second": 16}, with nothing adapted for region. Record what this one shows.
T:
{"hour": 11, "minute": 51, "second": 12}
